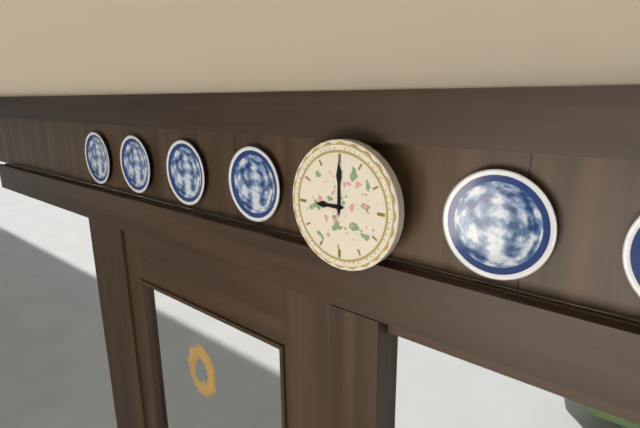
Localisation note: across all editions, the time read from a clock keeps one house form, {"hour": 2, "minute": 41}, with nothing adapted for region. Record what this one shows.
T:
{"hour": 9, "minute": 0}
